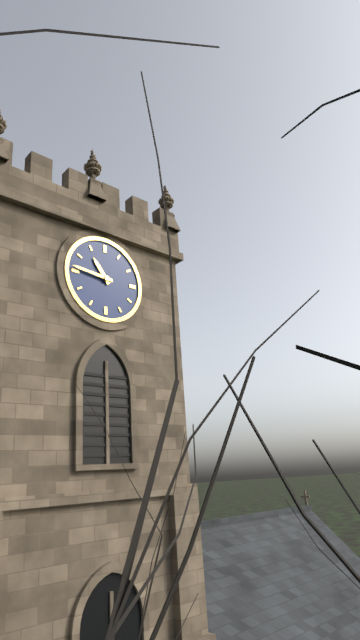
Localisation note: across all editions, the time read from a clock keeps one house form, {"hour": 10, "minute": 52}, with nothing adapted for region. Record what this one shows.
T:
{"hour": 10, "minute": 46}
